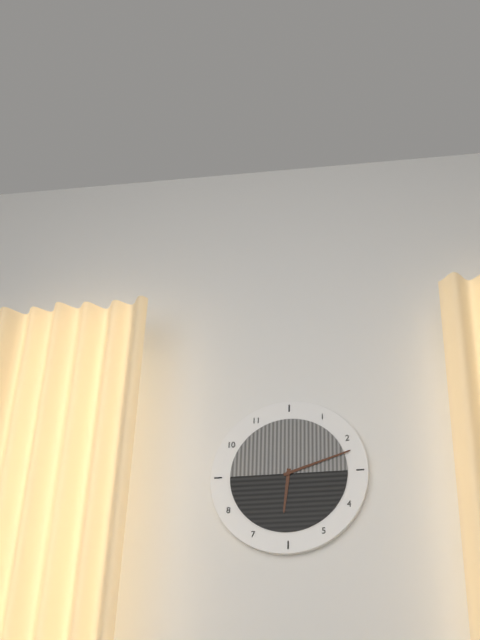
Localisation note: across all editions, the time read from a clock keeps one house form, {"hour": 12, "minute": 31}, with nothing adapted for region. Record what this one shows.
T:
{"hour": 6, "minute": 12}
